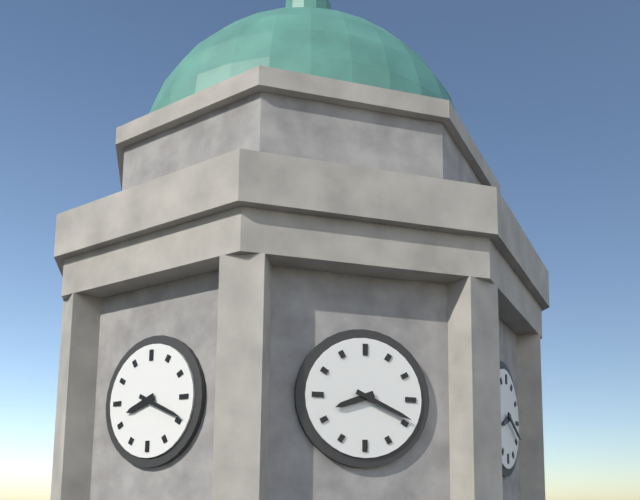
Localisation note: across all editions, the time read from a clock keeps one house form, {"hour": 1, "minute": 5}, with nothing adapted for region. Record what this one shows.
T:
{"hour": 8, "minute": 19}
